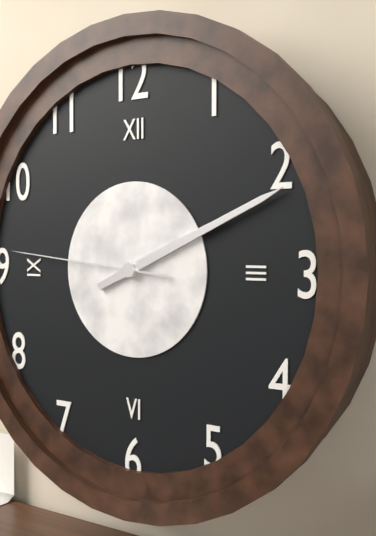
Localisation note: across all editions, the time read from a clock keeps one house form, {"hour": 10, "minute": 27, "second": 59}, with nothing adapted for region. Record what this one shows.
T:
{"hour": 2, "minute": 11, "second": 46}
